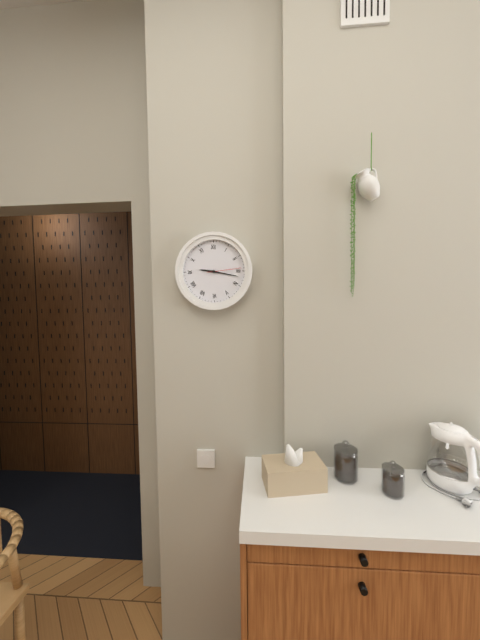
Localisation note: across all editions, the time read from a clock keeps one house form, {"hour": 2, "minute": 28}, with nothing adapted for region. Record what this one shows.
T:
{"hour": 9, "minute": 17}
